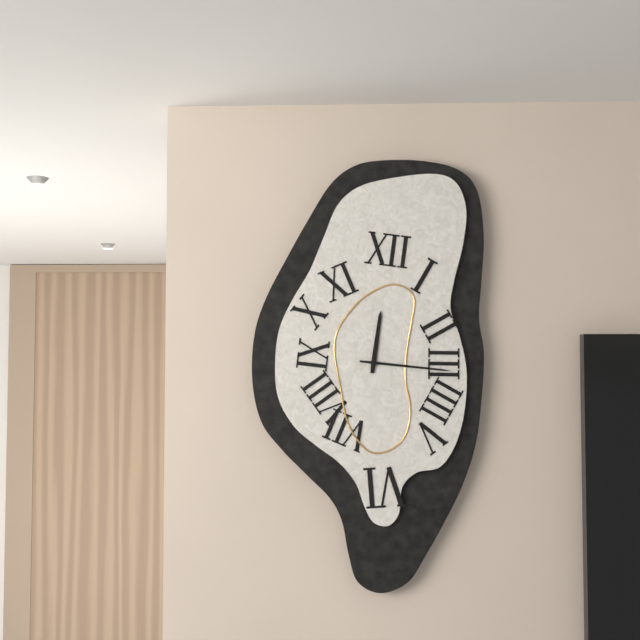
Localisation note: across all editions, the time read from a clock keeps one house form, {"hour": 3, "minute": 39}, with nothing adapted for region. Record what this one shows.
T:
{"hour": 12, "minute": 16}
